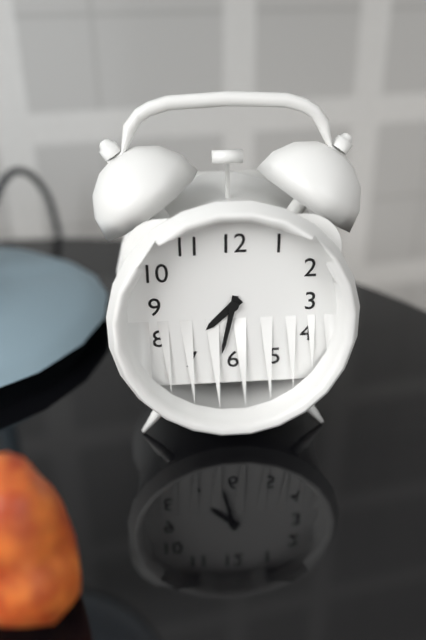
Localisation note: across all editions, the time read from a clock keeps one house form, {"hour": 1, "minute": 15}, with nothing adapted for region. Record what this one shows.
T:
{"hour": 7, "minute": 32}
